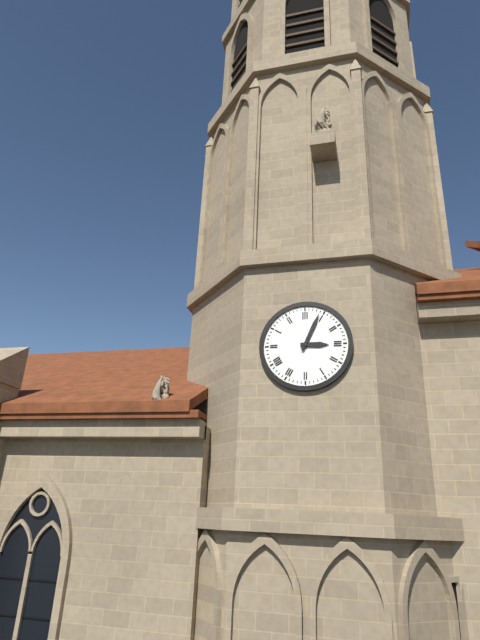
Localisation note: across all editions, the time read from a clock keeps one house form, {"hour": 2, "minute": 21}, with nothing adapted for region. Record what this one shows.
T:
{"hour": 3, "minute": 4}
